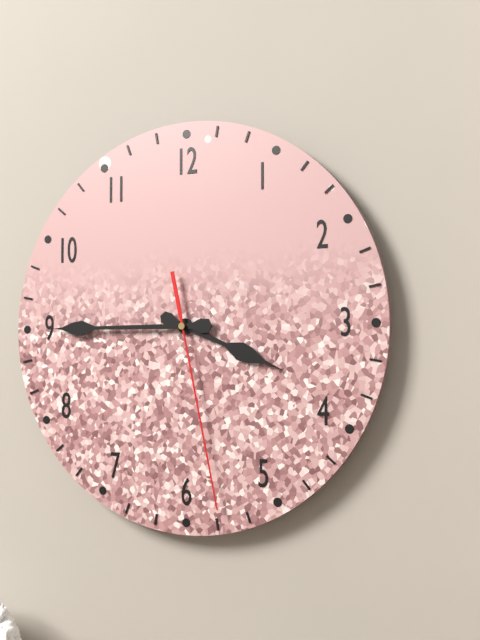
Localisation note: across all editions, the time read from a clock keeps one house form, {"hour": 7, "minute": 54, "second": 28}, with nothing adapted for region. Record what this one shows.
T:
{"hour": 3, "minute": 45, "second": 28}
